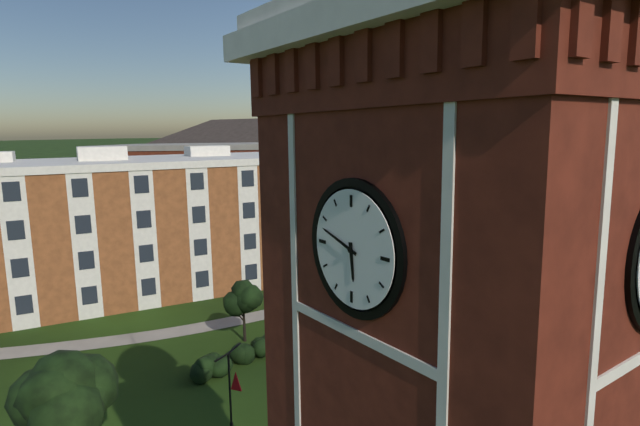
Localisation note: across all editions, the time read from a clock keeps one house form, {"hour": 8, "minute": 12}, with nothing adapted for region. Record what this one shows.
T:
{"hour": 5, "minute": 48}
